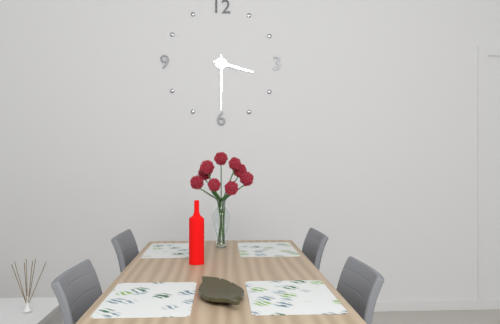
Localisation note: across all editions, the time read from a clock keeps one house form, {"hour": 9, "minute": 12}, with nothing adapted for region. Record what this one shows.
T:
{"hour": 3, "minute": 30}
